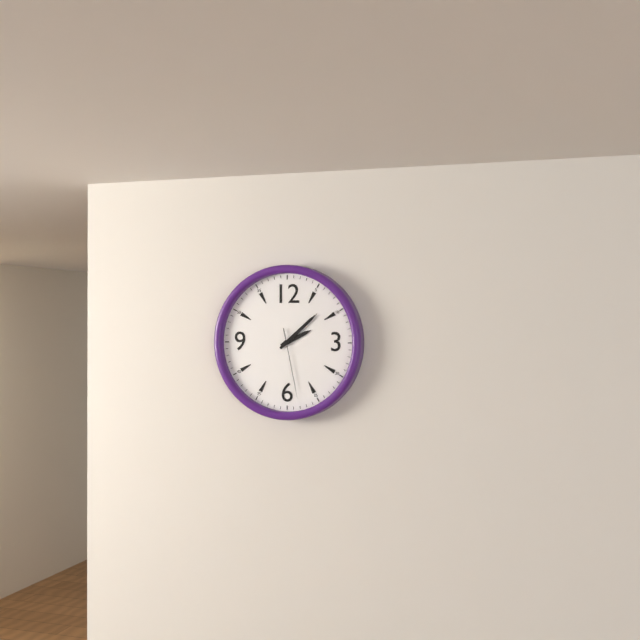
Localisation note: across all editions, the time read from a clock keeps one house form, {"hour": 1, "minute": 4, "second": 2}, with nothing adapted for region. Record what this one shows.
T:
{"hour": 2, "minute": 8, "second": 28}
